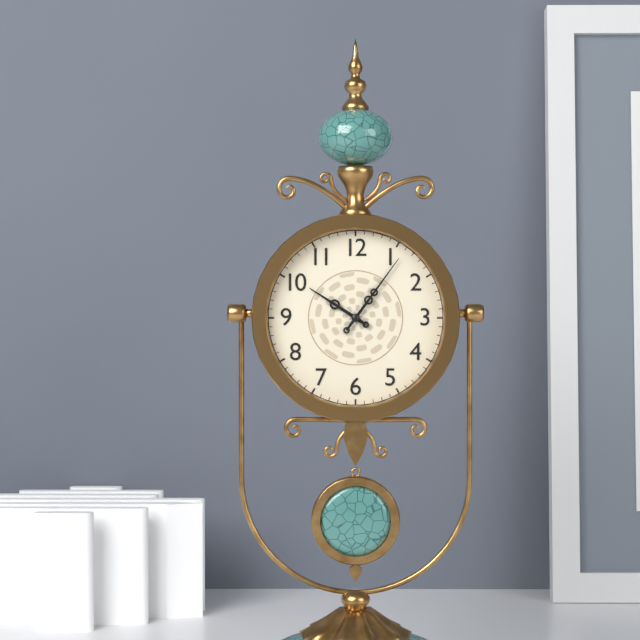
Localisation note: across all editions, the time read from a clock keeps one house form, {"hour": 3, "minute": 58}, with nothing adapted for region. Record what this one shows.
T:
{"hour": 10, "minute": 6}
